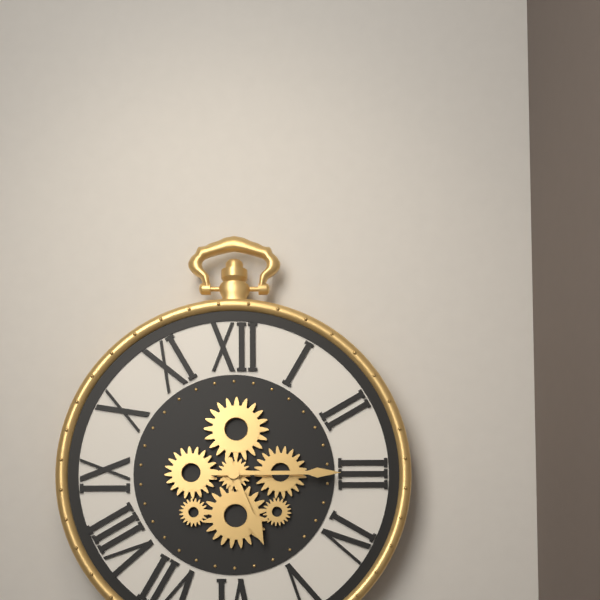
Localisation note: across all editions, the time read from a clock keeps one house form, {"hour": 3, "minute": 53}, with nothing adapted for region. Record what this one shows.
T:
{"hour": 5, "minute": 15}
